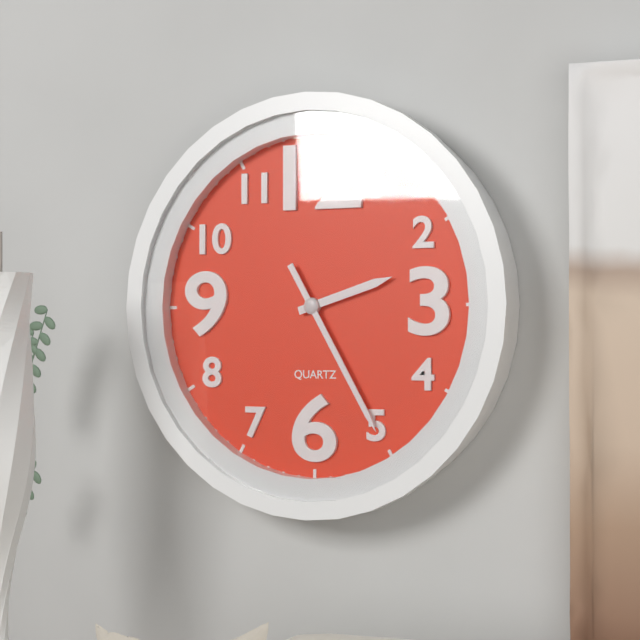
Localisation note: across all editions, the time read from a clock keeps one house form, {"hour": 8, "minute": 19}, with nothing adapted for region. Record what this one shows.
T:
{"hour": 2, "minute": 25}
